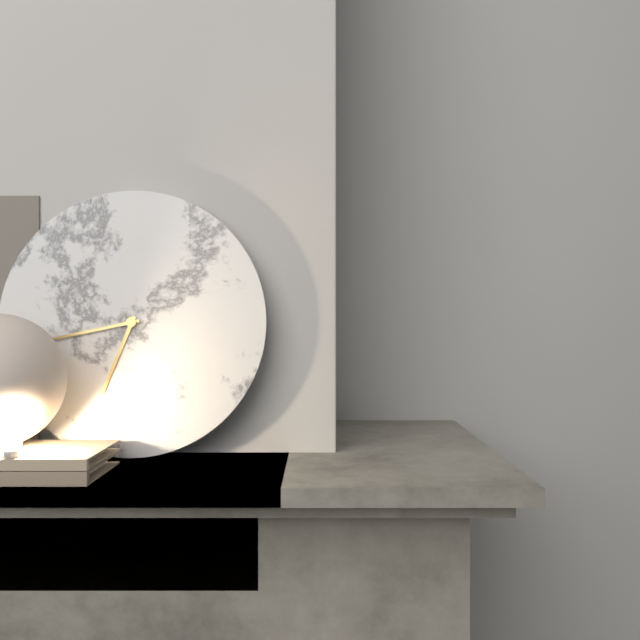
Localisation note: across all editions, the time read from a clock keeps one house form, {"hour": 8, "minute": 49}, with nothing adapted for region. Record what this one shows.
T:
{"hour": 6, "minute": 43}
